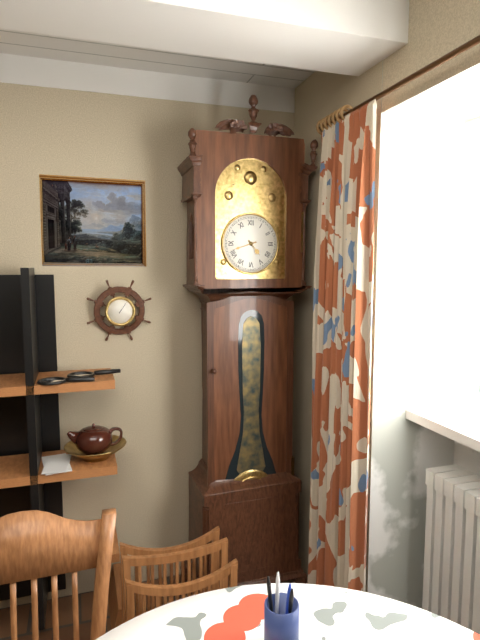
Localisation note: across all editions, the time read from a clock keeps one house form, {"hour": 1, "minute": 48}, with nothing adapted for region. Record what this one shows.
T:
{"hour": 4, "minute": 42}
